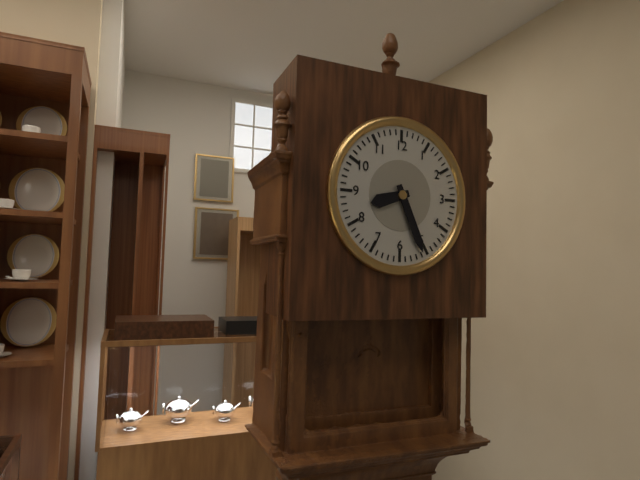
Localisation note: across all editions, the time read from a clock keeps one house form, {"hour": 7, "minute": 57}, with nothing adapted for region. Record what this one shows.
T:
{"hour": 8, "minute": 26}
